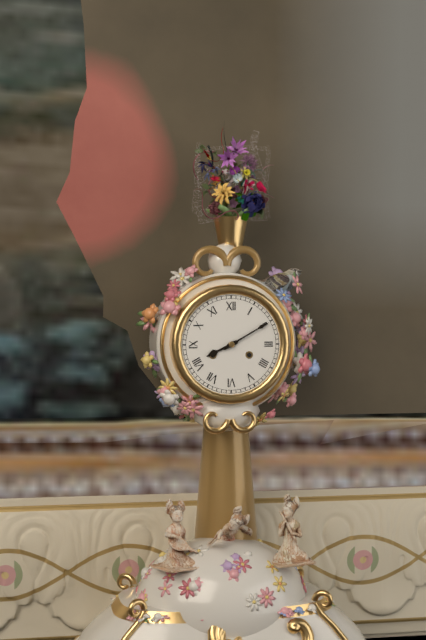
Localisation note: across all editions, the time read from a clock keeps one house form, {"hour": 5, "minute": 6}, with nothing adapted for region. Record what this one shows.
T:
{"hour": 8, "minute": 10}
